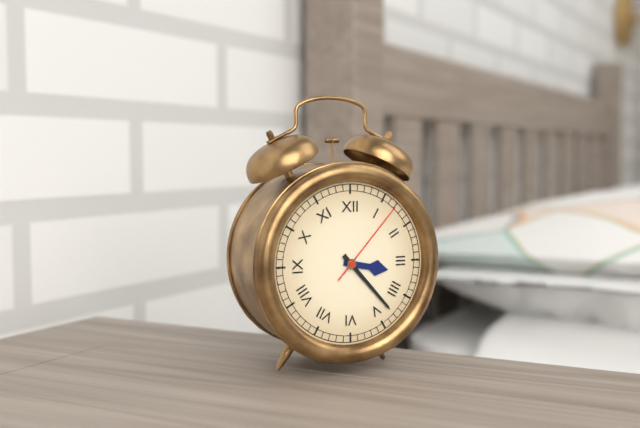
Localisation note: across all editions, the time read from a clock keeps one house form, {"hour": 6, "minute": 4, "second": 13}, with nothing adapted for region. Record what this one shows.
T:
{"hour": 3, "minute": 23, "second": 7}
